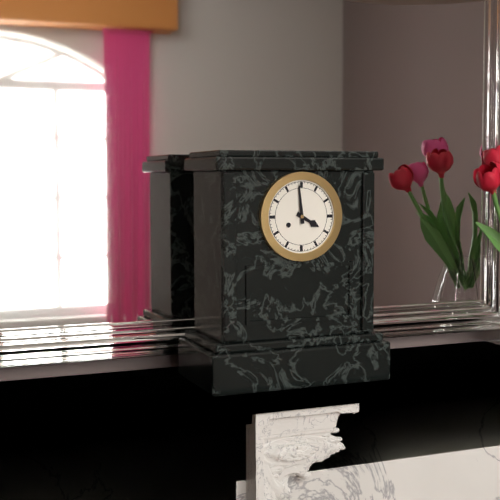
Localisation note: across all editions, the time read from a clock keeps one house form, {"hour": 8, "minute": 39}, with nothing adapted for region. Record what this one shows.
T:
{"hour": 3, "minute": 59}
